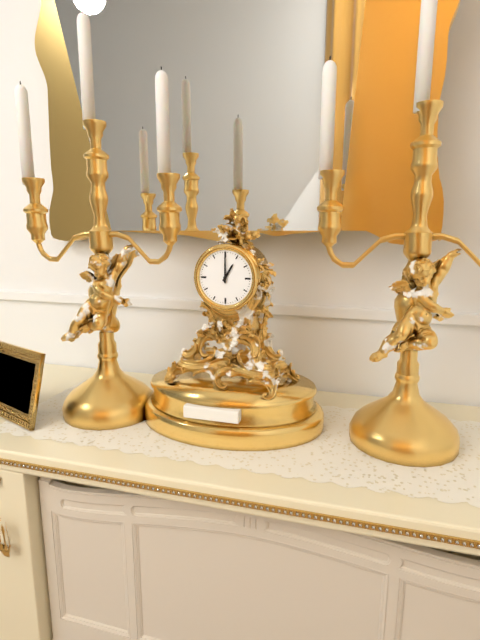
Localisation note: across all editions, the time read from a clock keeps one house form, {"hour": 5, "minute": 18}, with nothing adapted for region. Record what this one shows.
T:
{"hour": 1, "minute": 0}
